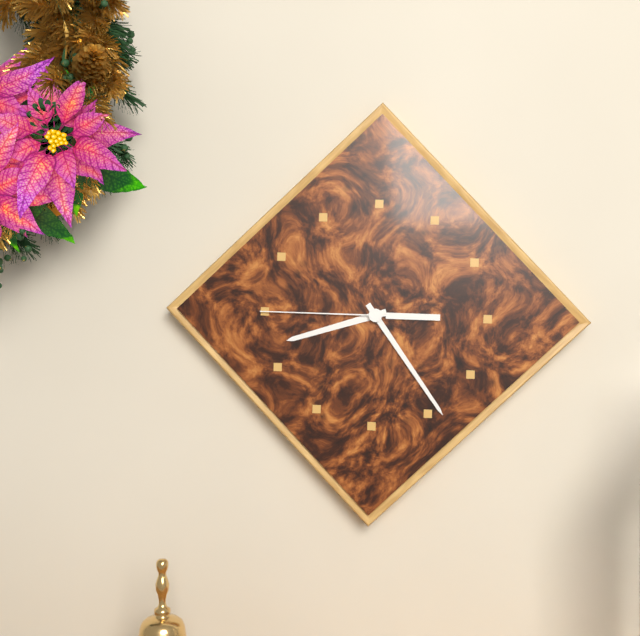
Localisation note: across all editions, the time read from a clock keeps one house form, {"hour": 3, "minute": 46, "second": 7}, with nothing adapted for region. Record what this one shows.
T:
{"hour": 8, "minute": 24, "second": 45}
